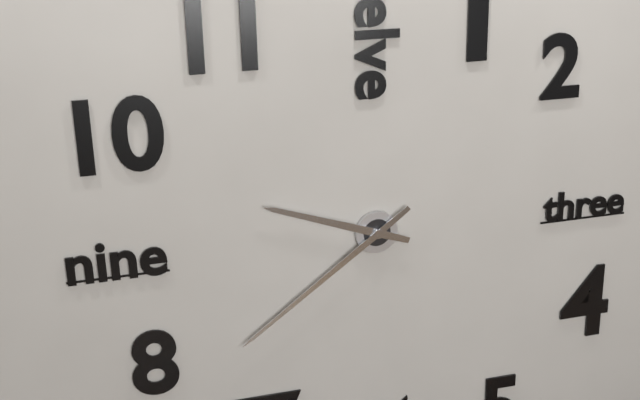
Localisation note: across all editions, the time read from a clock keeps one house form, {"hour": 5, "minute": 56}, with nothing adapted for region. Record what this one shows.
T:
{"hour": 9, "minute": 39}
